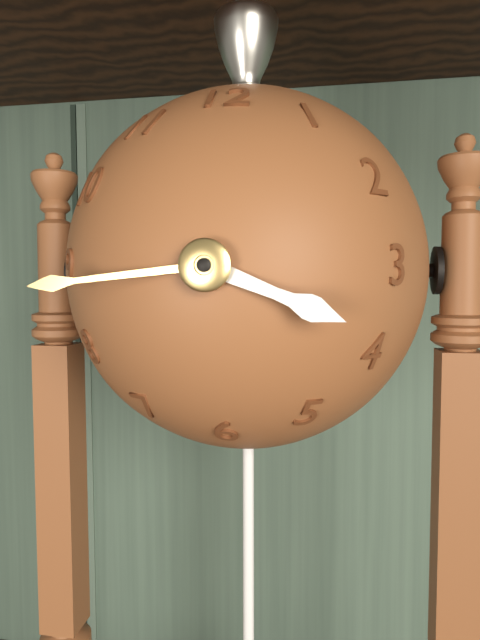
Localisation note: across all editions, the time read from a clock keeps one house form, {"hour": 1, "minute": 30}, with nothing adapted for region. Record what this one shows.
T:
{"hour": 3, "minute": 44}
